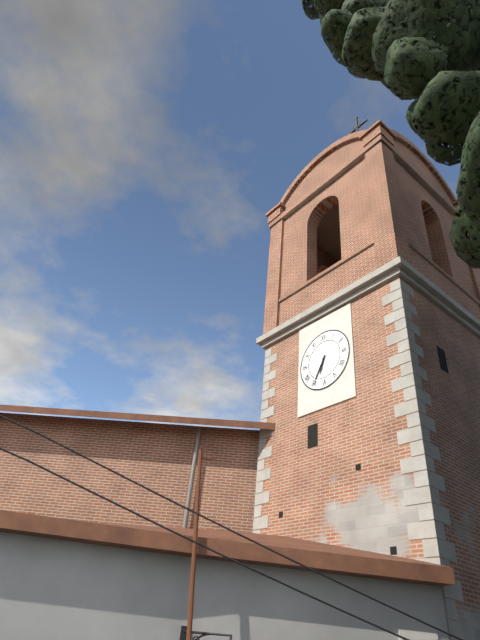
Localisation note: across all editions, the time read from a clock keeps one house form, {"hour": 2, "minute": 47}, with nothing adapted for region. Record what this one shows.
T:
{"hour": 6, "minute": 35}
